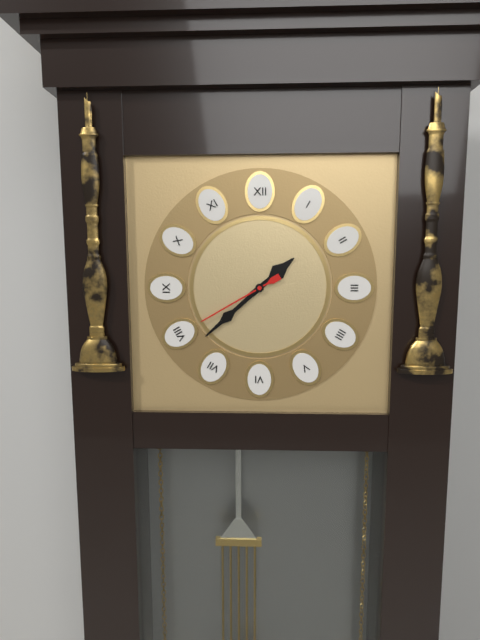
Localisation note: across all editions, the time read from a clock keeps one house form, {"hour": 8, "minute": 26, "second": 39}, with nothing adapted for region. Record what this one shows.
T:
{"hour": 1, "minute": 38, "second": 40}
